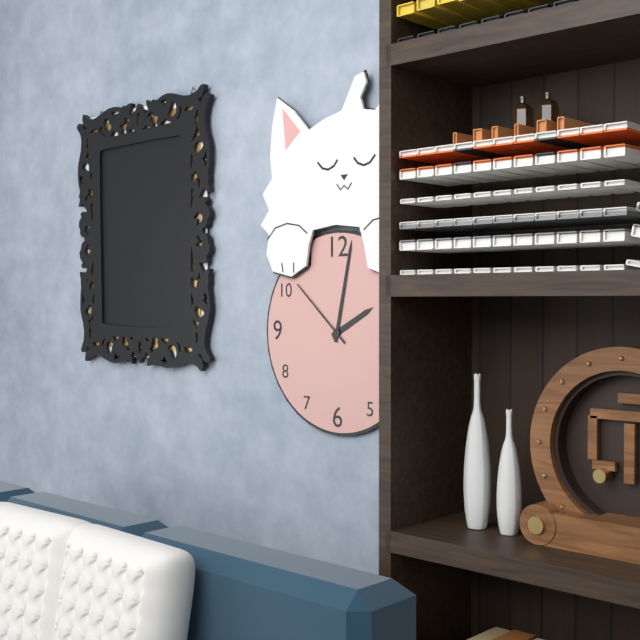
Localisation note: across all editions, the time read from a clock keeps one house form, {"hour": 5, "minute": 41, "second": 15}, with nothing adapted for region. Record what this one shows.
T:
{"hour": 2, "minute": 2, "second": 52}
